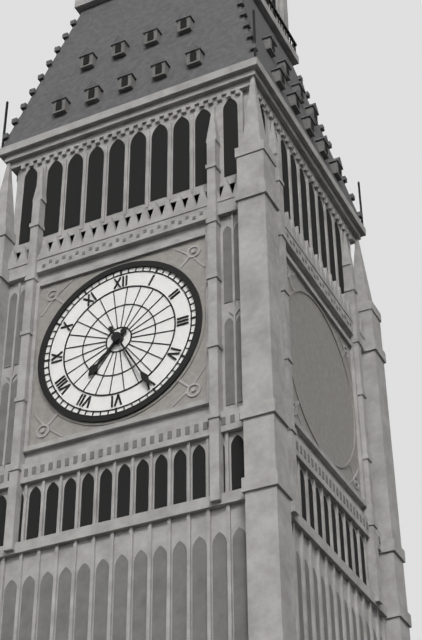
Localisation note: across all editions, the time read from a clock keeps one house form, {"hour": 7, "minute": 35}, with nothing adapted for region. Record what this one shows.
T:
{"hour": 7, "minute": 25}
